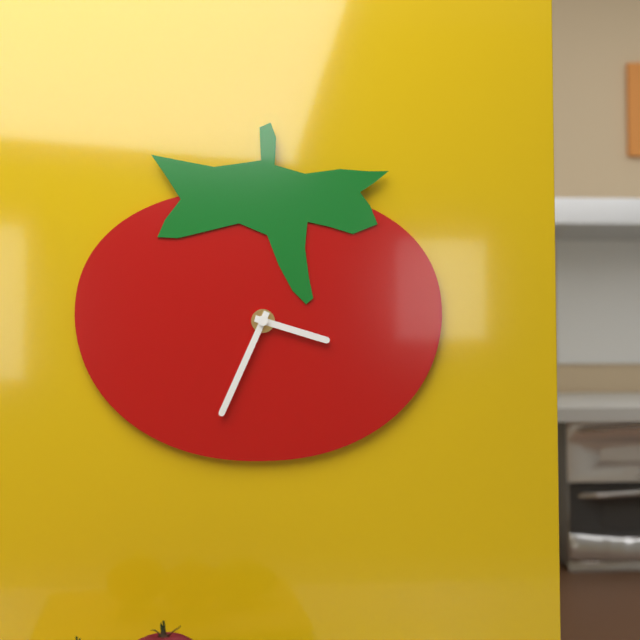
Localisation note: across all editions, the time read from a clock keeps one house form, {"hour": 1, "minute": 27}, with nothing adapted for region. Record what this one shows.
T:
{"hour": 3, "minute": 34}
